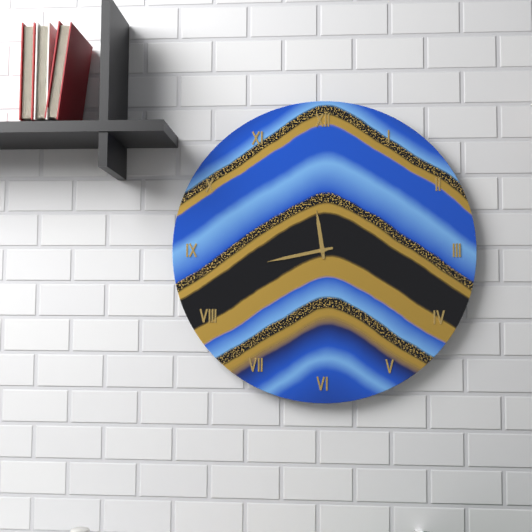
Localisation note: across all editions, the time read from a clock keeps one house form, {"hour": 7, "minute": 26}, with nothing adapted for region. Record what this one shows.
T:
{"hour": 11, "minute": 43}
